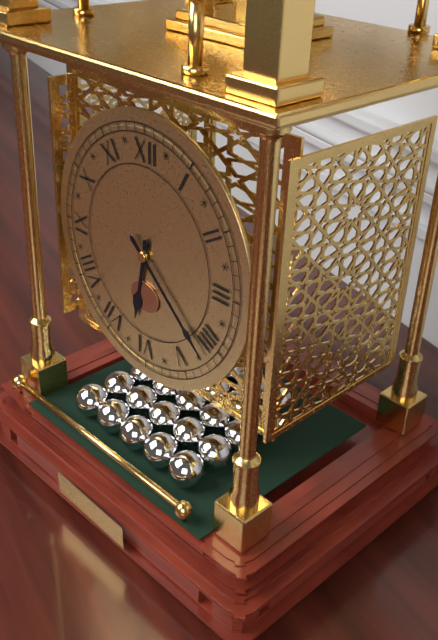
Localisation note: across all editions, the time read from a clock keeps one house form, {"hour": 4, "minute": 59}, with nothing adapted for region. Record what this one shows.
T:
{"hour": 6, "minute": 22}
